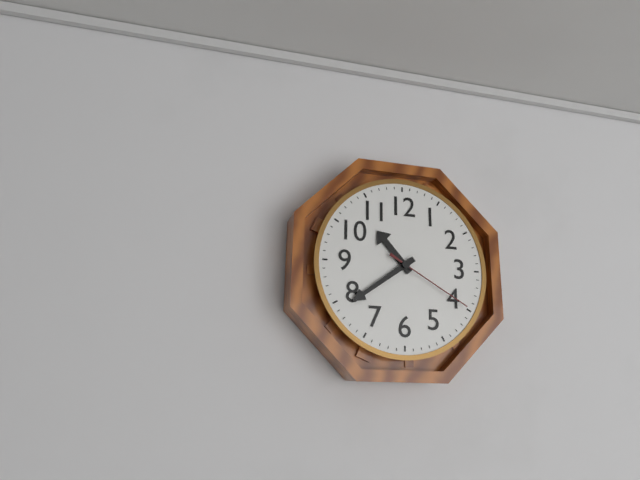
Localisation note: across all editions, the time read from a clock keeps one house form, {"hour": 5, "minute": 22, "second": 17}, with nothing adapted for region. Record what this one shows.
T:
{"hour": 10, "minute": 39, "second": 20}
